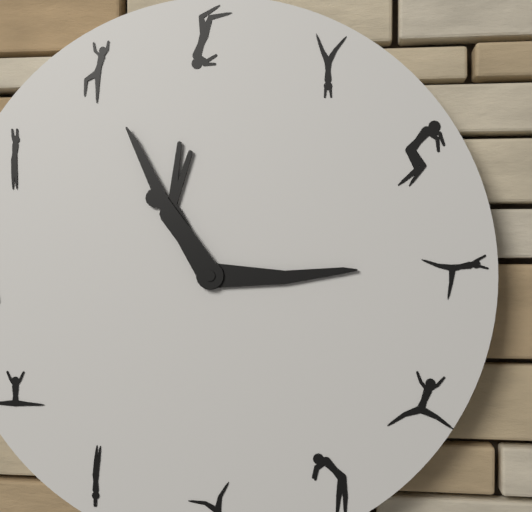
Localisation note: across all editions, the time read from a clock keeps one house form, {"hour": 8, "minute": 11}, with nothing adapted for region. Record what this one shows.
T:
{"hour": 2, "minute": 55}
